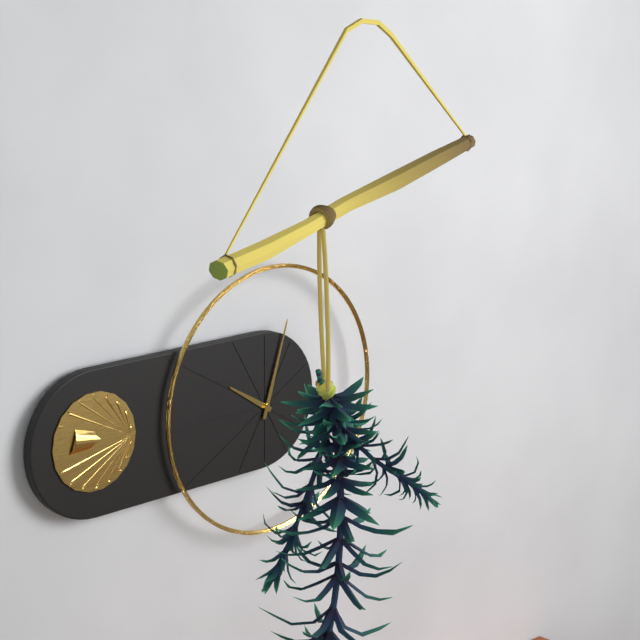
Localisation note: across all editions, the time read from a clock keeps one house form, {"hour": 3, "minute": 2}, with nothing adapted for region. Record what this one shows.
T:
{"hour": 10, "minute": 3}
